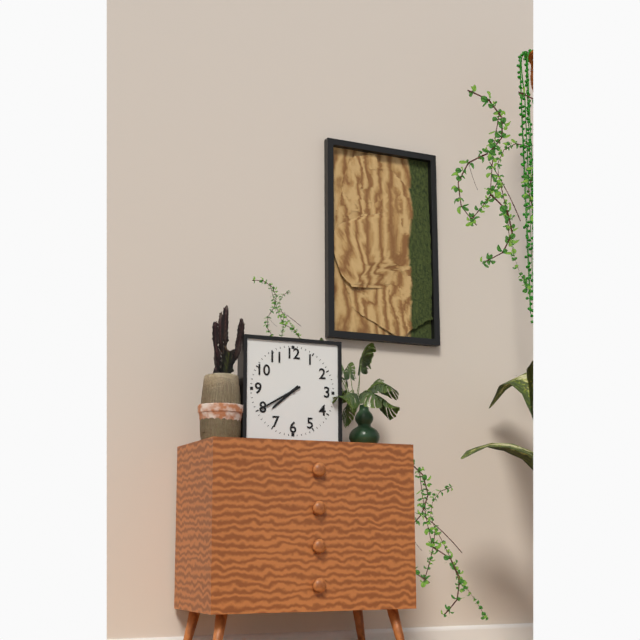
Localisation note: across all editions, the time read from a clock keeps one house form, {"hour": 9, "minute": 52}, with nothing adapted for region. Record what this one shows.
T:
{"hour": 7, "minute": 40}
